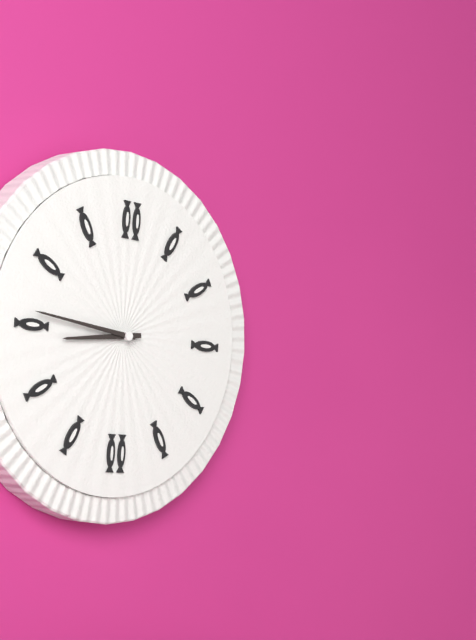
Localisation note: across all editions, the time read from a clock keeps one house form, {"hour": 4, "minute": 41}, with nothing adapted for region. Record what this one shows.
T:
{"hour": 8, "minute": 46}
